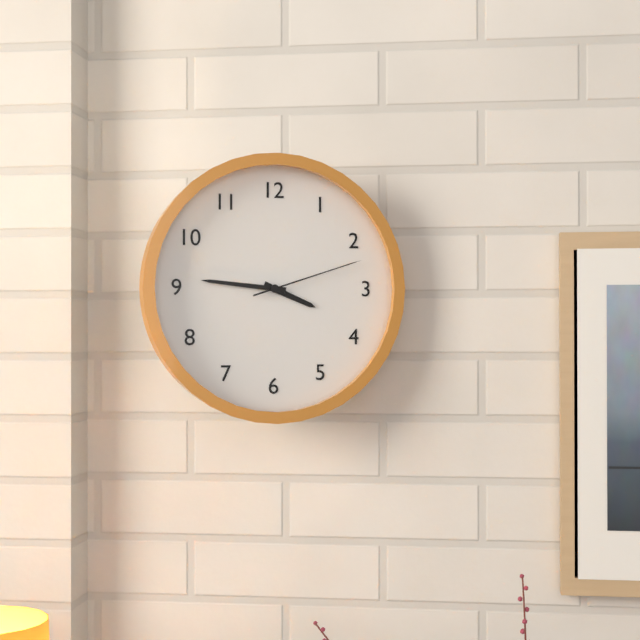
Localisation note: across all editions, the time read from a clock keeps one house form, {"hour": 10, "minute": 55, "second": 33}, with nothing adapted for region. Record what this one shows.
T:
{"hour": 3, "minute": 46, "second": 12}
